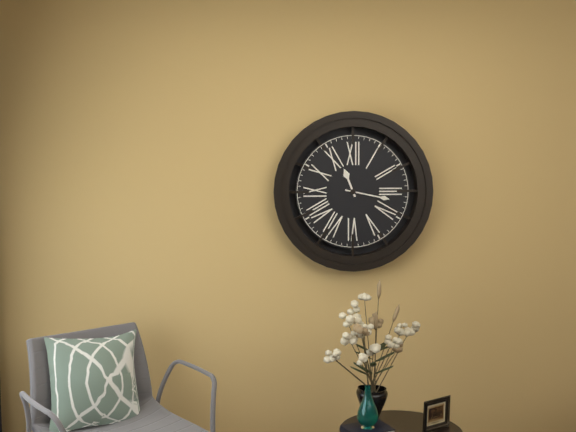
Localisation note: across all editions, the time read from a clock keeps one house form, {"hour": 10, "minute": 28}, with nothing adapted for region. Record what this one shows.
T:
{"hour": 11, "minute": 17}
